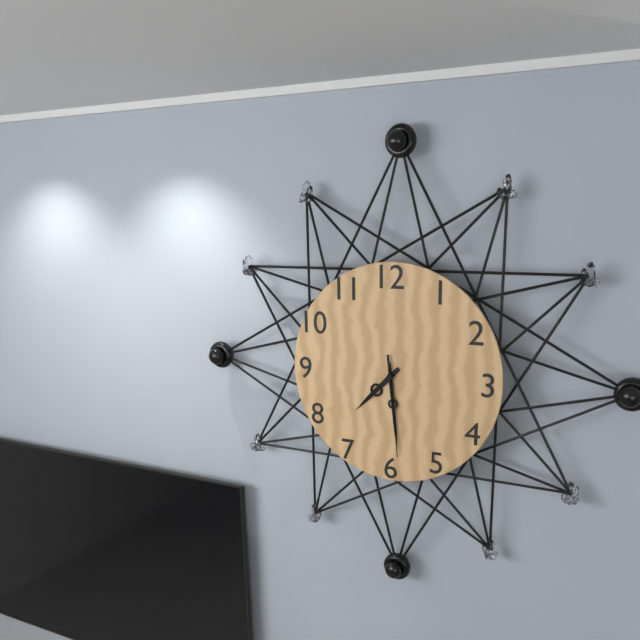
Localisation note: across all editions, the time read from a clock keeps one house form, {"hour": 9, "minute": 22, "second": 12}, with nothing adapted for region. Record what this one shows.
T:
{"hour": 7, "minute": 29, "second": 29}
